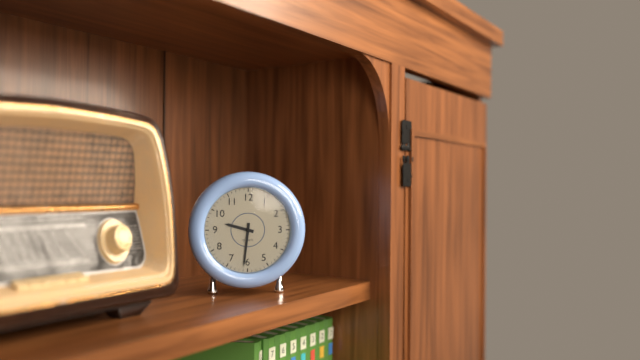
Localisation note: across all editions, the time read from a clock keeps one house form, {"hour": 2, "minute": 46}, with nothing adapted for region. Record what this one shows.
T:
{"hour": 9, "minute": 31}
